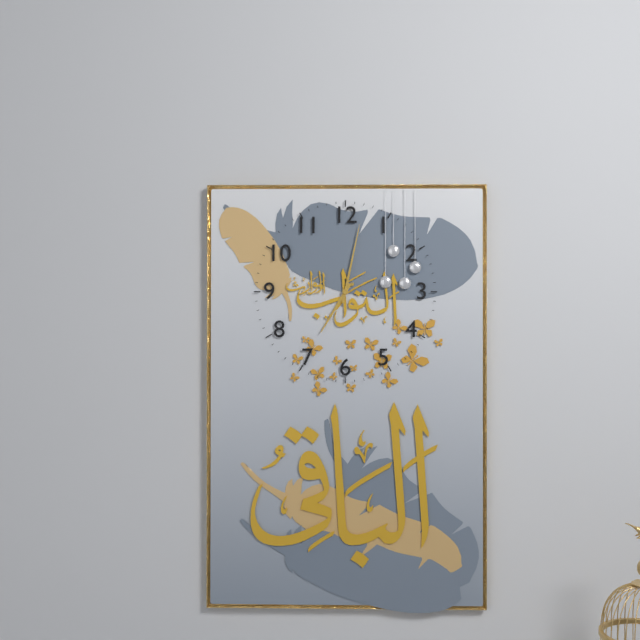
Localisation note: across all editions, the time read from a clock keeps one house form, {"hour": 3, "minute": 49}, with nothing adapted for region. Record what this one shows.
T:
{"hour": 7, "minute": 2}
